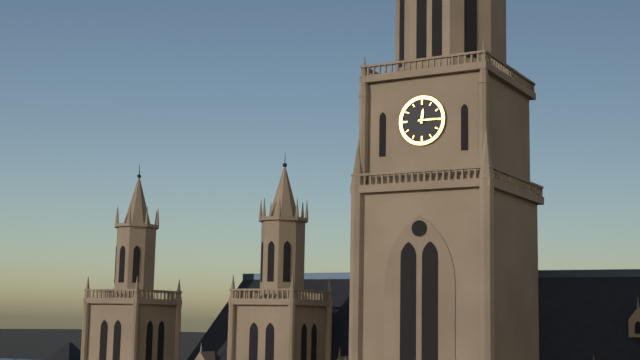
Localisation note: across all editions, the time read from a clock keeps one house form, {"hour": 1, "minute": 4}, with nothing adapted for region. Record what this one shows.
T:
{"hour": 12, "minute": 15}
